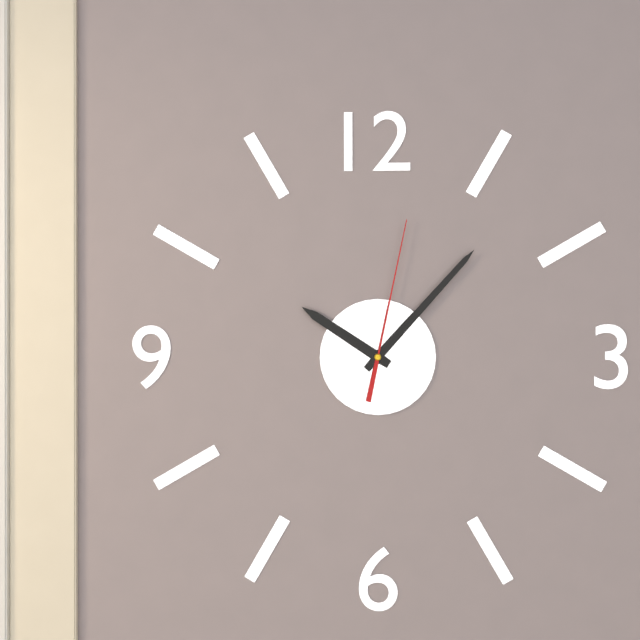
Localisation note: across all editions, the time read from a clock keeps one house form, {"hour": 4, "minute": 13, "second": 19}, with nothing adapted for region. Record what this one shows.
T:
{"hour": 10, "minute": 7, "second": 2}
